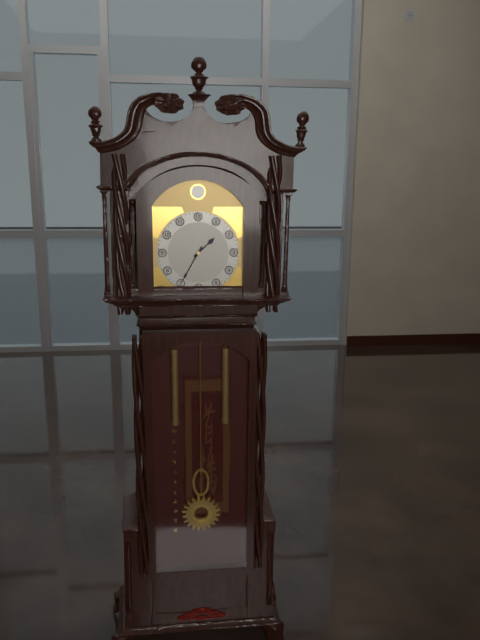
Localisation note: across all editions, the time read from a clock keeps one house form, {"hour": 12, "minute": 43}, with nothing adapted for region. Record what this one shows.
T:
{"hour": 1, "minute": 35}
